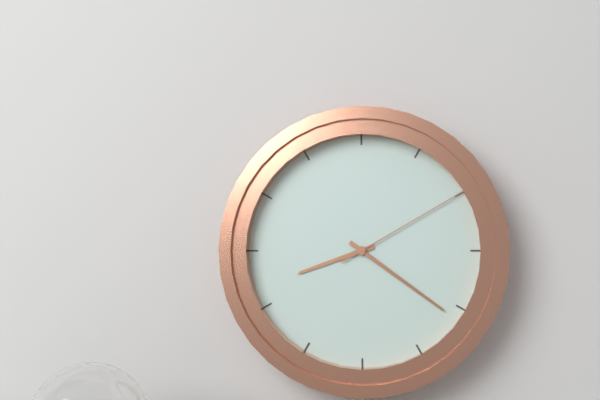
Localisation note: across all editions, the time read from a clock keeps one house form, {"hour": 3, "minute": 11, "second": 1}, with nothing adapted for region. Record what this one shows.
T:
{"hour": 8, "minute": 21, "second": 10}
